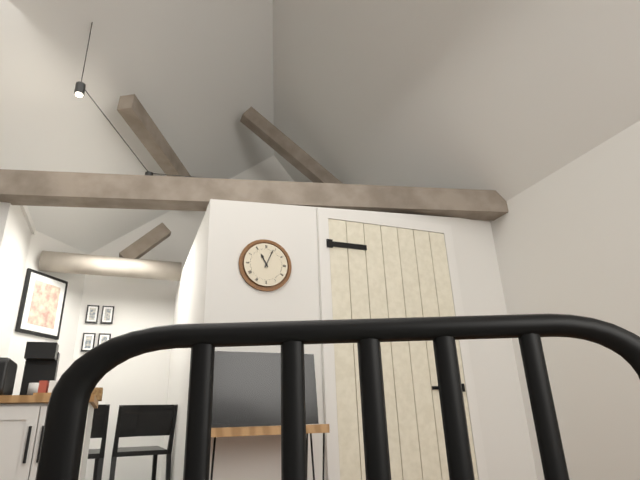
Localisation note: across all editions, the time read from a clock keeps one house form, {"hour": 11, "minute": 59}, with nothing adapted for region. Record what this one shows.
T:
{"hour": 11, "minute": 4}
